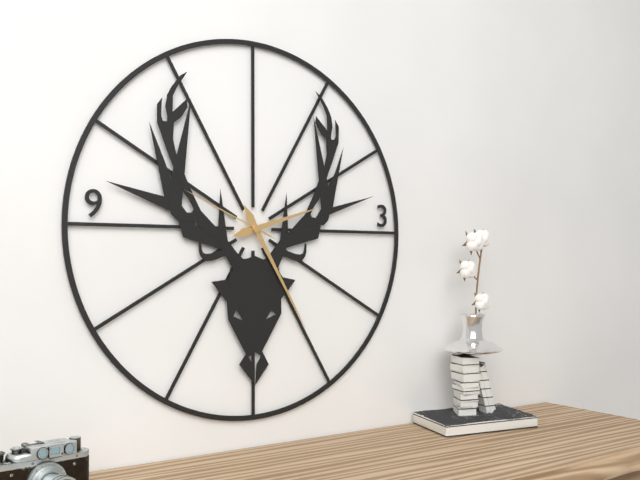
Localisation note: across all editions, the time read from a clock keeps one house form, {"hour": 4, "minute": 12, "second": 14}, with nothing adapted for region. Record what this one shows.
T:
{"hour": 2, "minute": 25, "second": 49}
